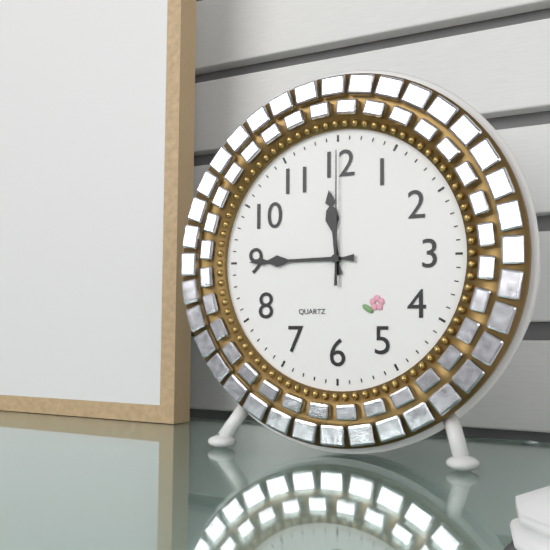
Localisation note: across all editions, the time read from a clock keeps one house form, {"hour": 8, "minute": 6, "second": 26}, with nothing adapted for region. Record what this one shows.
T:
{"hour": 11, "minute": 45, "second": 0}
